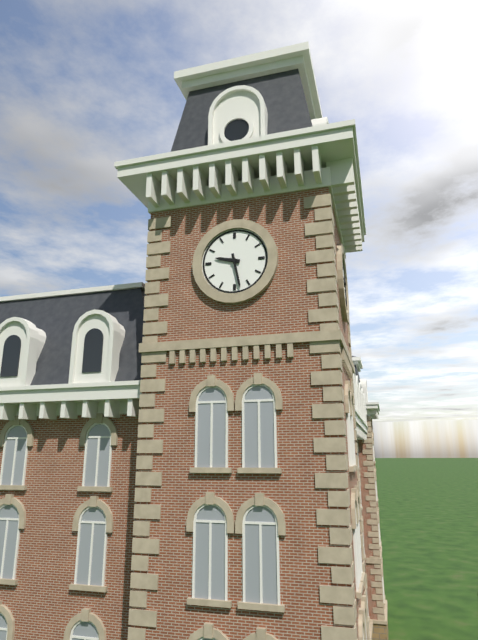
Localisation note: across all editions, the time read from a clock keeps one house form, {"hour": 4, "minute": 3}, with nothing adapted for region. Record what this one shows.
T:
{"hour": 9, "minute": 28}
